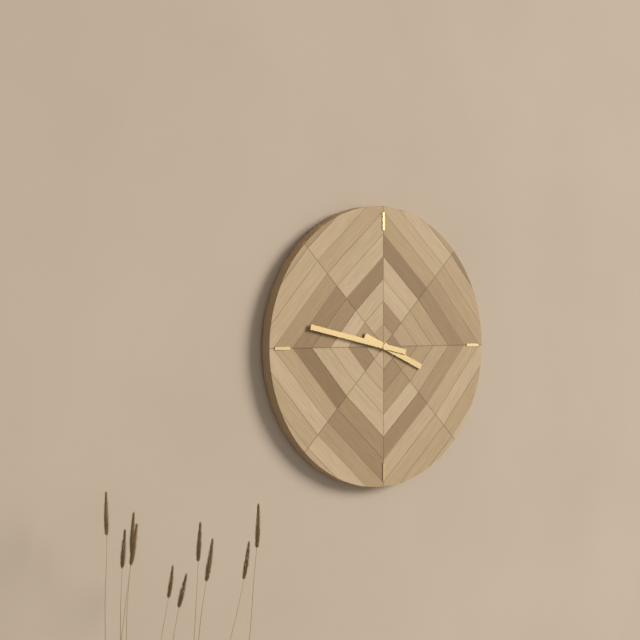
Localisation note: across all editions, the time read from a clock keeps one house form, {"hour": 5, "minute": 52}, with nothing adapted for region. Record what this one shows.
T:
{"hour": 3, "minute": 47}
